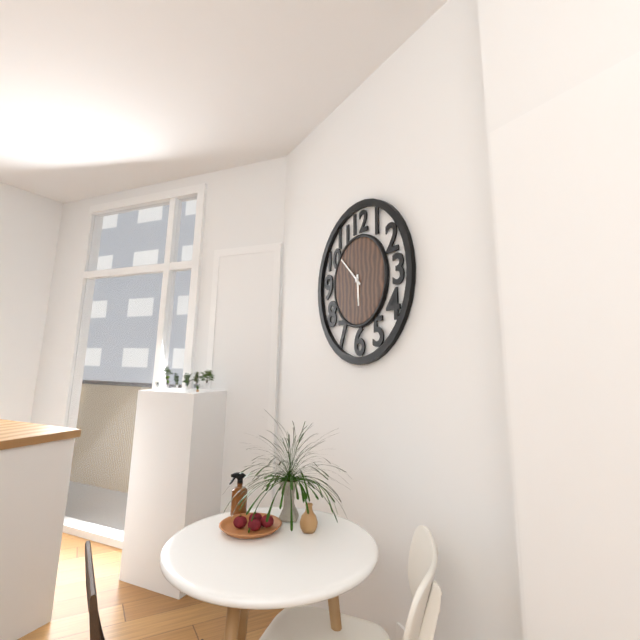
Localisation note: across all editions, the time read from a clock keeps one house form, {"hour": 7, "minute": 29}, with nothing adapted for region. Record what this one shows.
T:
{"hour": 5, "minute": 52}
